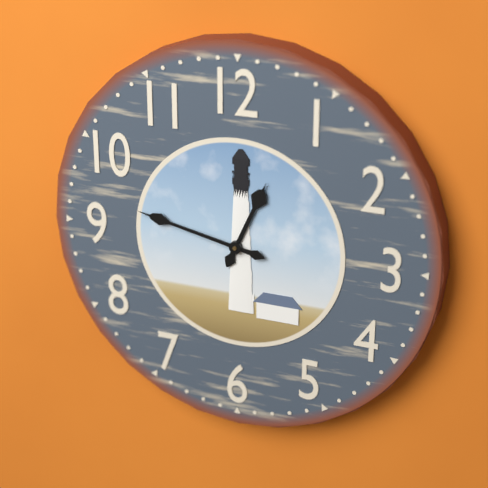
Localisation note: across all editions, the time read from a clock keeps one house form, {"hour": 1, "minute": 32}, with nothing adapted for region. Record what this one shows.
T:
{"hour": 12, "minute": 47}
